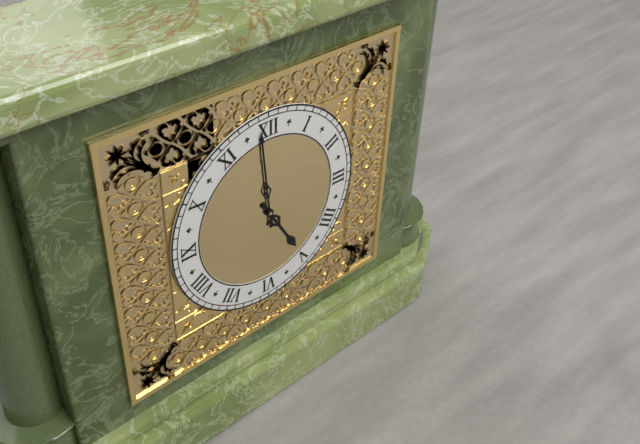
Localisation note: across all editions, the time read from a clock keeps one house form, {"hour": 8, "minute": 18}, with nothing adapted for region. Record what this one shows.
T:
{"hour": 4, "minute": 59}
